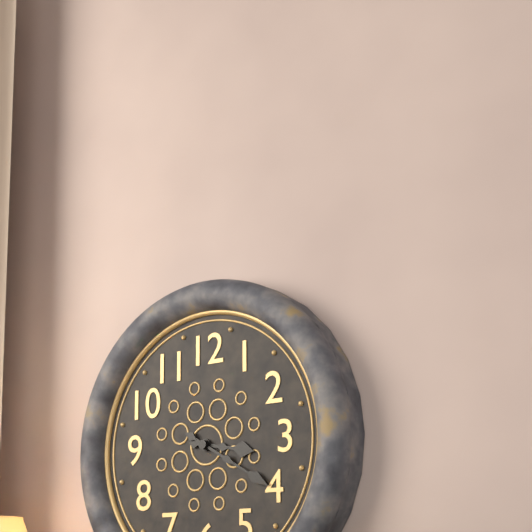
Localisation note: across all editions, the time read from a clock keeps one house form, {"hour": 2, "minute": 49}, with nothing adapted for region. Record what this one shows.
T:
{"hour": 3, "minute": 20}
